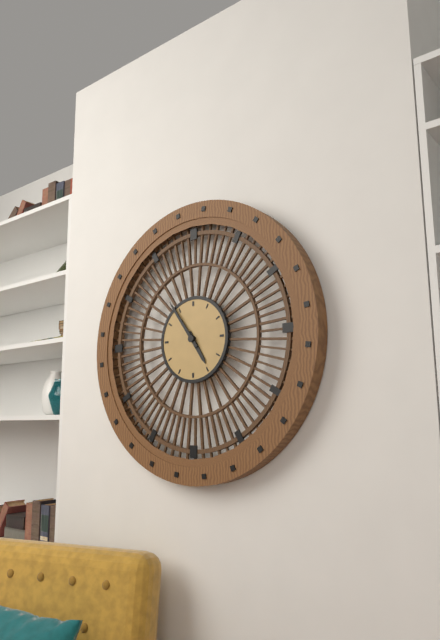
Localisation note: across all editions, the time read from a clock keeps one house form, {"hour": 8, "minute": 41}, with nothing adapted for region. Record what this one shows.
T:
{"hour": 4, "minute": 54}
